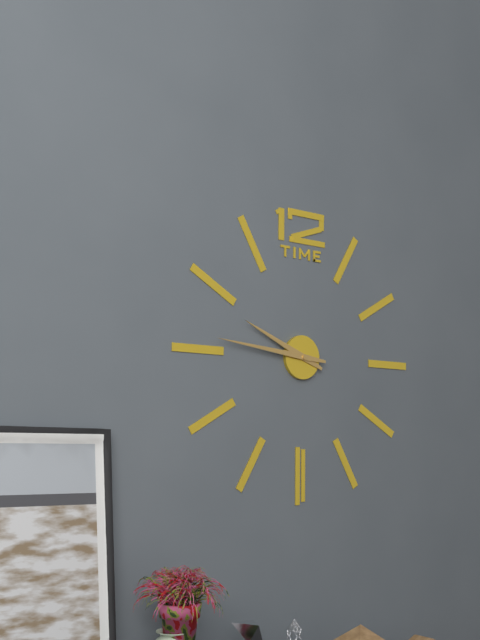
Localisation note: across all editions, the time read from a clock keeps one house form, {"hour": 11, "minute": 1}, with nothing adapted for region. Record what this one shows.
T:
{"hour": 9, "minute": 46}
